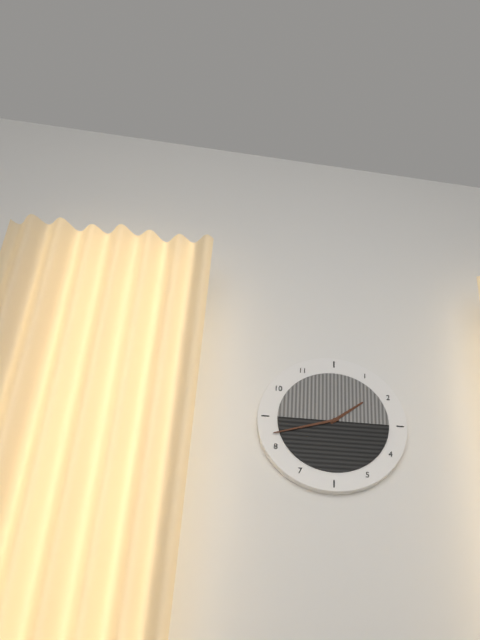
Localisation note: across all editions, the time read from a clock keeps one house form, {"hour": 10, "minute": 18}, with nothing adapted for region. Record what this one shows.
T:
{"hour": 1, "minute": 42}
